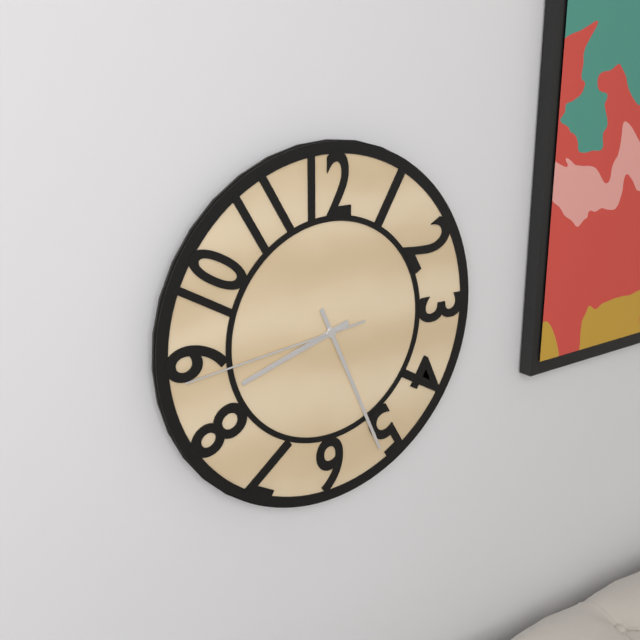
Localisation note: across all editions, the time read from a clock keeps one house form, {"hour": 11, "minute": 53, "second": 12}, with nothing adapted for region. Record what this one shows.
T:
{"hour": 8, "minute": 26, "second": 44}
